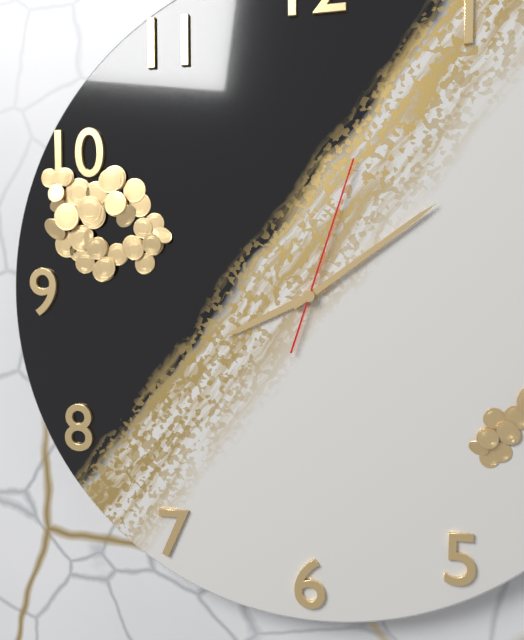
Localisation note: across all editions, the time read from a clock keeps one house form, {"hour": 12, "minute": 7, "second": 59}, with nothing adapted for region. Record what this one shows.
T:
{"hour": 8, "minute": 9, "second": 3}
